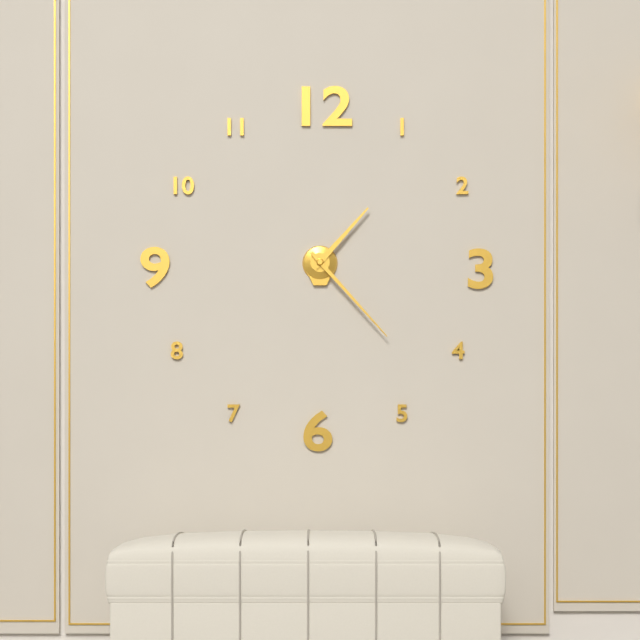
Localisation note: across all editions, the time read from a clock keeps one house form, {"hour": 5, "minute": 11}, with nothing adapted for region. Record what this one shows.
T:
{"hour": 1, "minute": 23}
